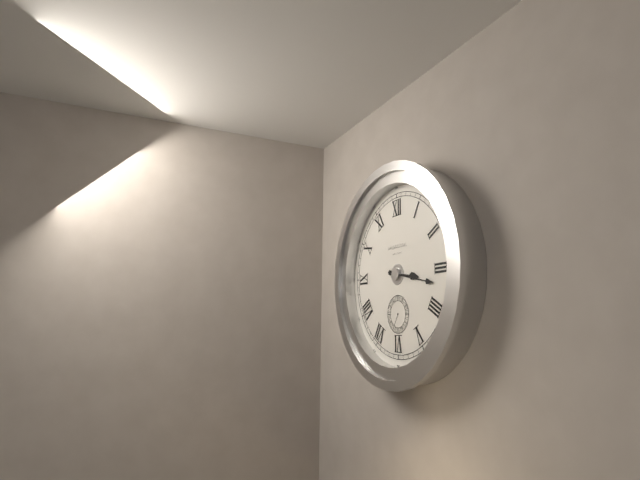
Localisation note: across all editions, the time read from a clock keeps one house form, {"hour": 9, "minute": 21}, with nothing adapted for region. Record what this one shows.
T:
{"hour": 3, "minute": 17}
